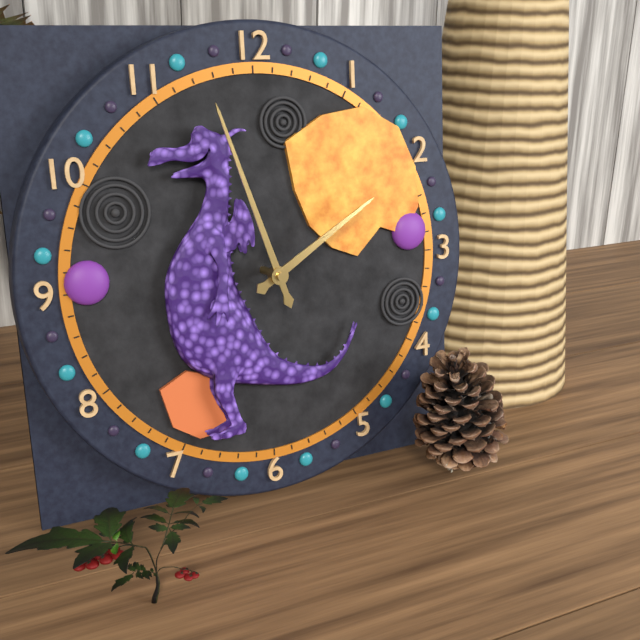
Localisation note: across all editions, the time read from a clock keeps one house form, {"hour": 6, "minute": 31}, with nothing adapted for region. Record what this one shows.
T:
{"hour": 1, "minute": 57}
